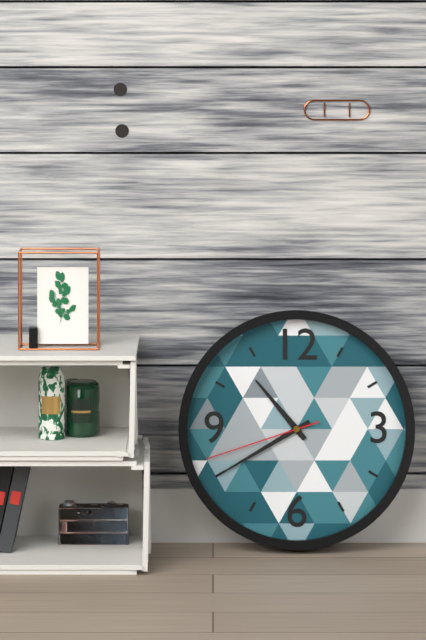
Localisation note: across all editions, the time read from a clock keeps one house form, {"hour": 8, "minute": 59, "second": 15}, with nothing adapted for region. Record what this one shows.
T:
{"hour": 10, "minute": 40, "second": 42}
